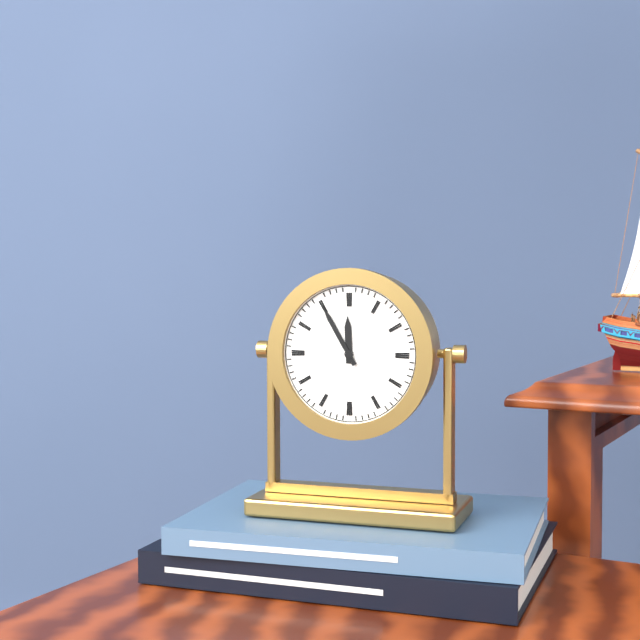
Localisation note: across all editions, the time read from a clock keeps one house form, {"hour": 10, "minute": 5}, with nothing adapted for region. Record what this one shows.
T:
{"hour": 11, "minute": 55}
